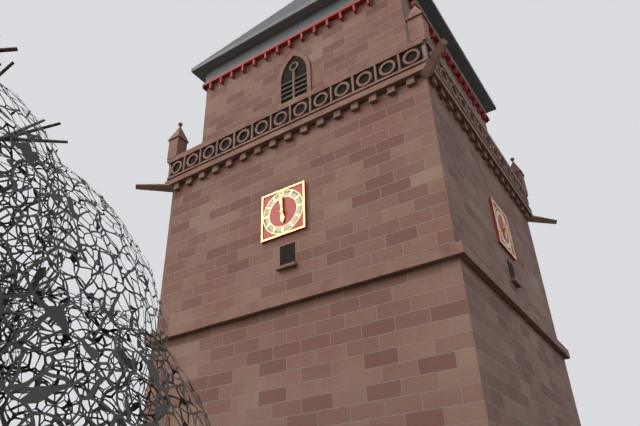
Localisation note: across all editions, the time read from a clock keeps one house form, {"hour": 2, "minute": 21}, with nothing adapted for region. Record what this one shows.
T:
{"hour": 5, "minute": 59}
